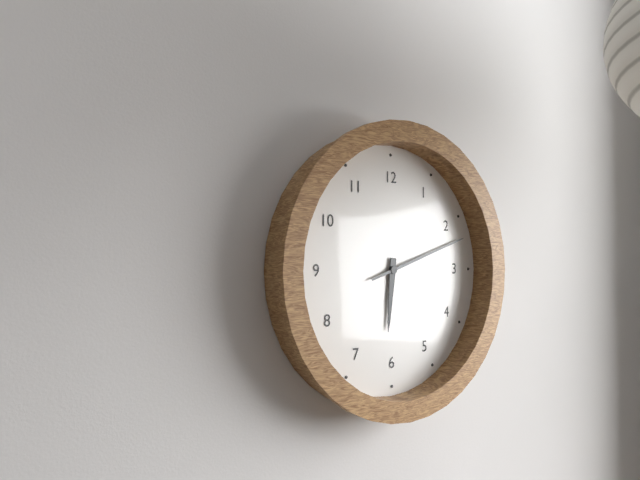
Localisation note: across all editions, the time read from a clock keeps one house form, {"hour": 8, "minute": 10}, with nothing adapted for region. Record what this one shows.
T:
{"hour": 6, "minute": 12}
